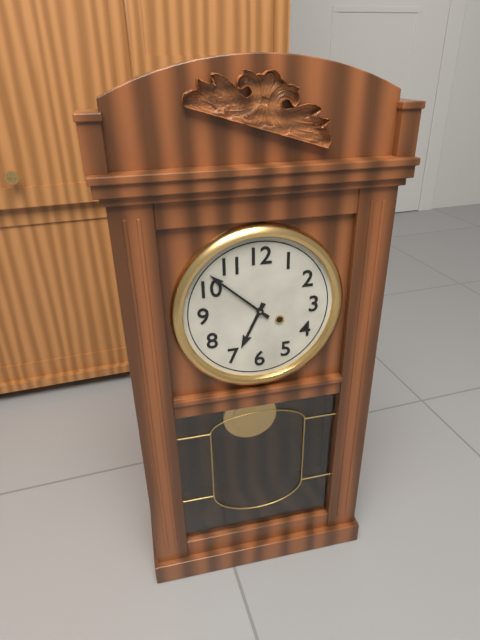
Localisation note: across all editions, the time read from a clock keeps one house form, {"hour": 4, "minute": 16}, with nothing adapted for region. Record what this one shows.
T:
{"hour": 6, "minute": 52}
